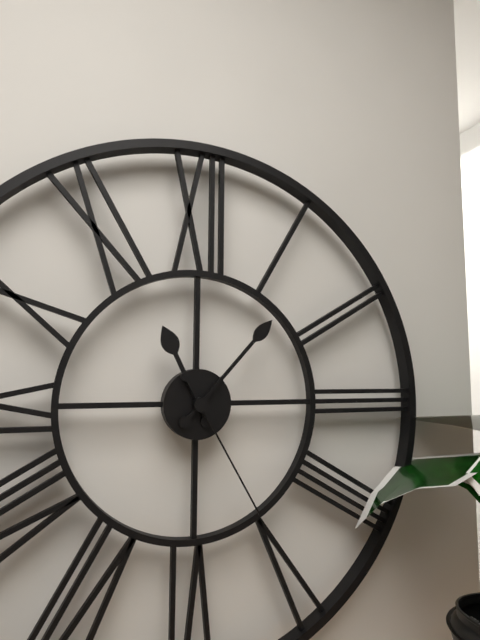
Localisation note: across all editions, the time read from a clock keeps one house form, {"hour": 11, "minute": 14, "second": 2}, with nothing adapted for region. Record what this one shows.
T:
{"hour": 11, "minute": 7, "second": 25}
